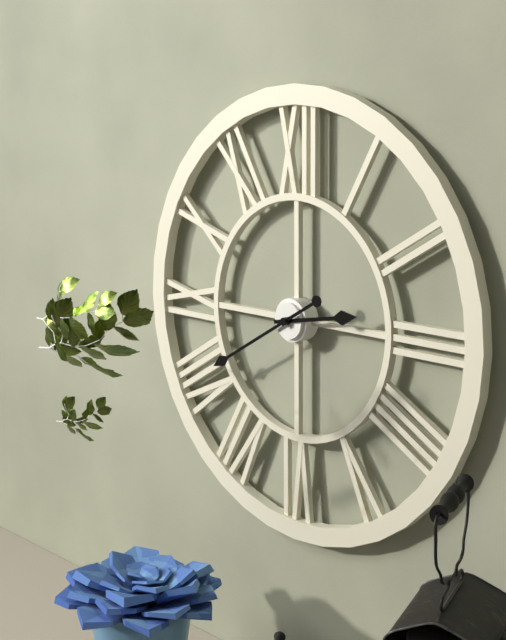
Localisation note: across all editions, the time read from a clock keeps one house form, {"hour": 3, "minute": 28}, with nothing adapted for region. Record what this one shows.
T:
{"hour": 2, "minute": 40}
